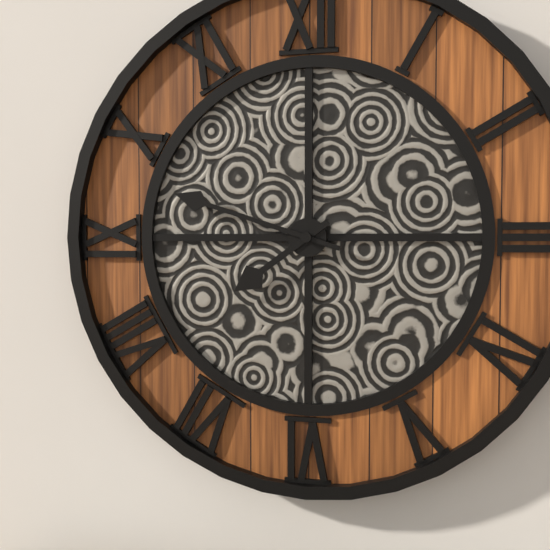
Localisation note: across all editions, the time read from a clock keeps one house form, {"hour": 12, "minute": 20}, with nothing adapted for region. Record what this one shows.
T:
{"hour": 7, "minute": 48}
